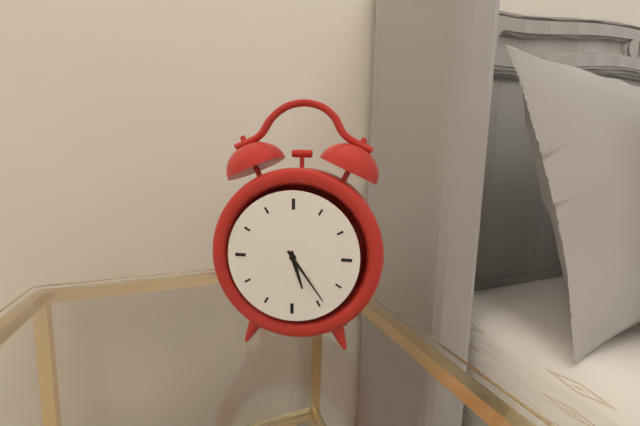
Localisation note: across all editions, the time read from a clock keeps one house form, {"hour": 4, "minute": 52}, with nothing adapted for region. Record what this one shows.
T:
{"hour": 5, "minute": 24}
